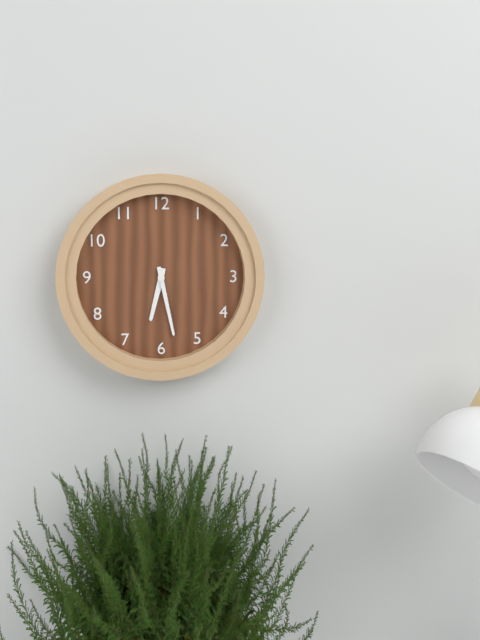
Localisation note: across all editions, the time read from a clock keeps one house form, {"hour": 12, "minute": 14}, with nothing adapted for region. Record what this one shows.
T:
{"hour": 6, "minute": 28}
